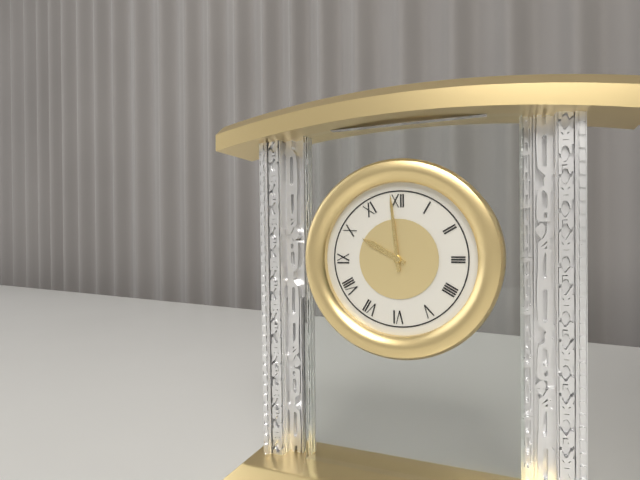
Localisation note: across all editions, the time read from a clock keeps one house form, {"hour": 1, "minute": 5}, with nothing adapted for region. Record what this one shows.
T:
{"hour": 9, "minute": 59}
